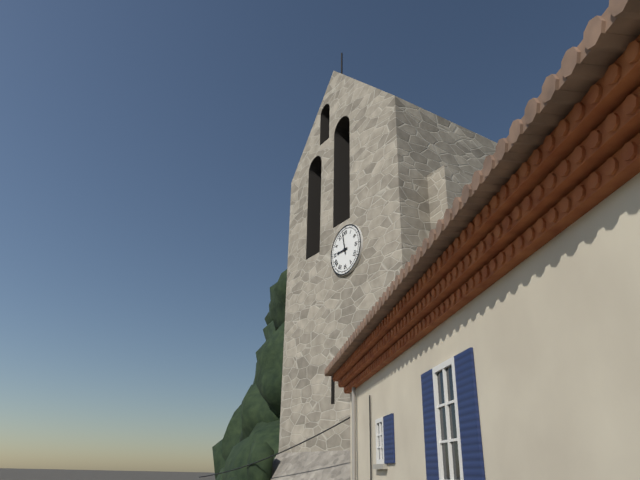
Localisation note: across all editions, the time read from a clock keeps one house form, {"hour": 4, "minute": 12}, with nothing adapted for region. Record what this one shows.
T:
{"hour": 8, "minute": 58}
